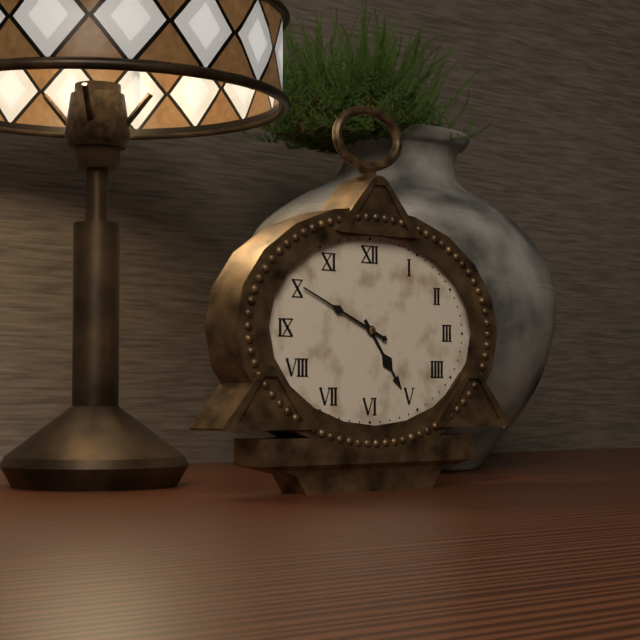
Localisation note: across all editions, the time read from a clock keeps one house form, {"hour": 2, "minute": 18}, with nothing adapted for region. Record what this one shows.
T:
{"hour": 4, "minute": 49}
